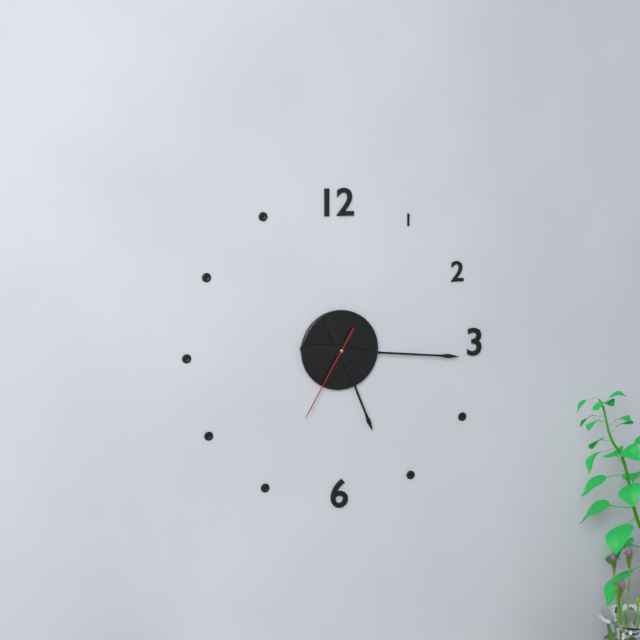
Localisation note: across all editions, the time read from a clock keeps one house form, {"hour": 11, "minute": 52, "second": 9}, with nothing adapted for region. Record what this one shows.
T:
{"hour": 5, "minute": 16, "second": 35}
